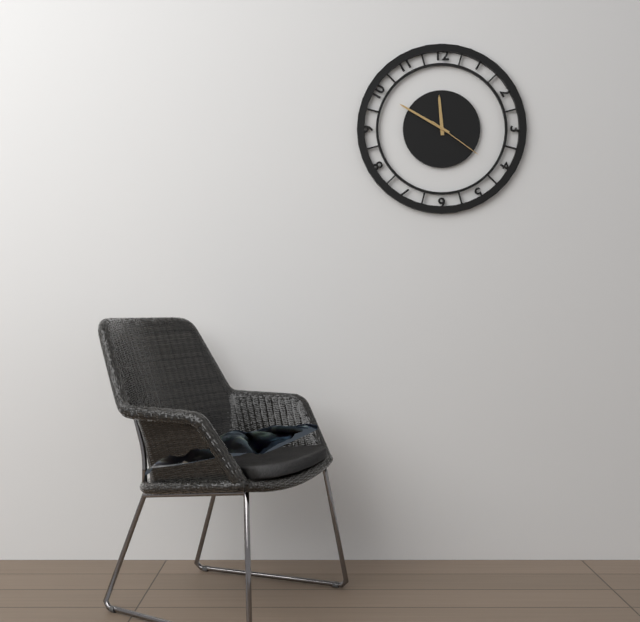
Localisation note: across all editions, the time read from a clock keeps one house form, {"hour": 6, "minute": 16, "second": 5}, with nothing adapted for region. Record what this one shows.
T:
{"hour": 11, "minute": 50, "second": 21}
